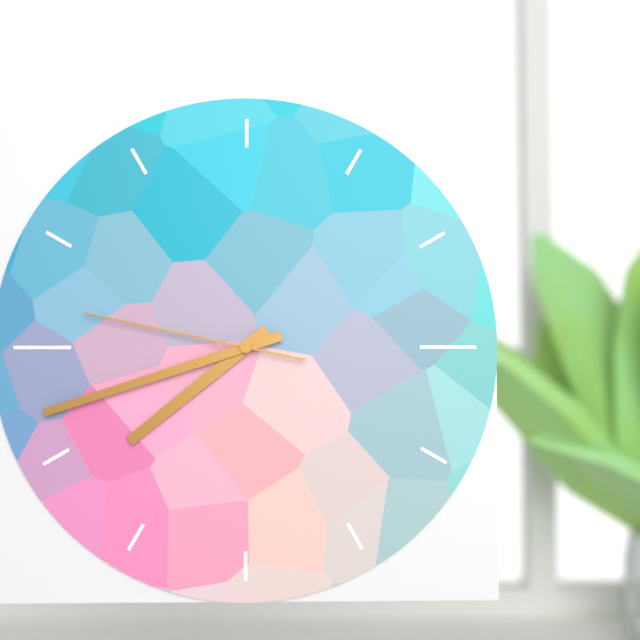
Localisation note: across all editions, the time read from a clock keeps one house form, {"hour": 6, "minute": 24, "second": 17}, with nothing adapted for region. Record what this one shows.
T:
{"hour": 7, "minute": 42, "second": 47}
